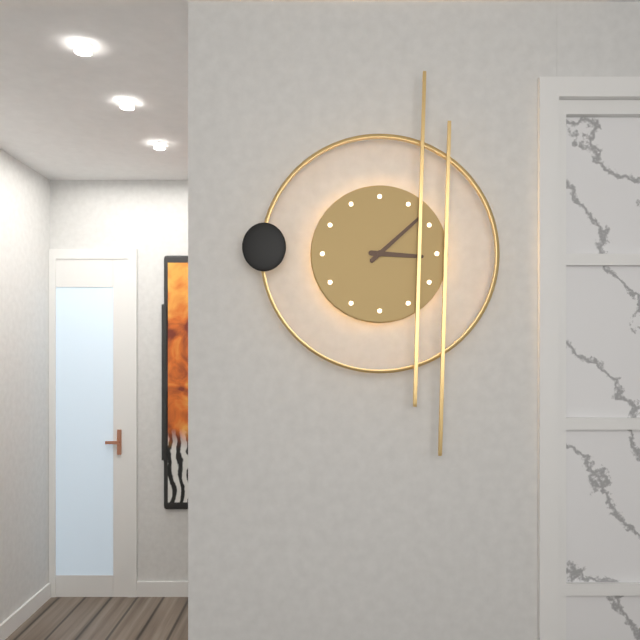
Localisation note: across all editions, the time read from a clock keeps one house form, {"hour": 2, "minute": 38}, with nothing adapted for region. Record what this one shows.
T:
{"hour": 3, "minute": 8}
